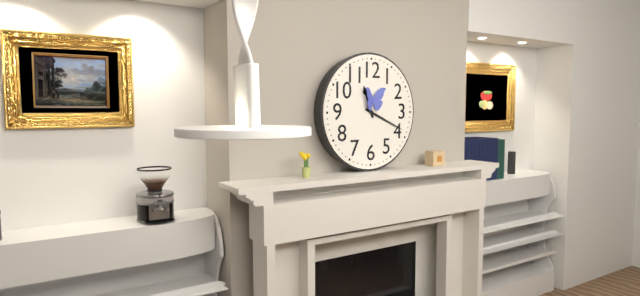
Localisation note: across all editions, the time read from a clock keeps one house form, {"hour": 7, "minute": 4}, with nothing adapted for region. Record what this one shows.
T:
{"hour": 11, "minute": 19}
